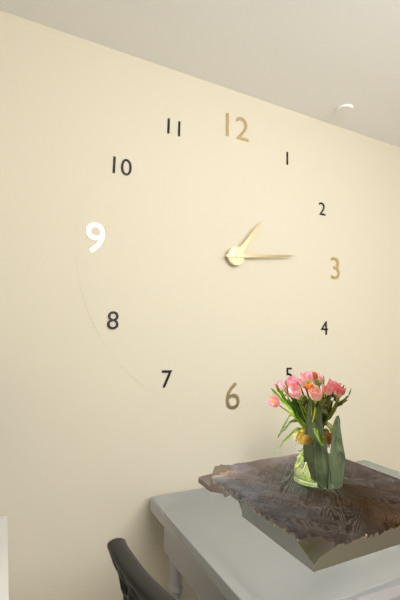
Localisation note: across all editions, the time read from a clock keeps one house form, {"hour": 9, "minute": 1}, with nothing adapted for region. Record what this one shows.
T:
{"hour": 1, "minute": 14}
